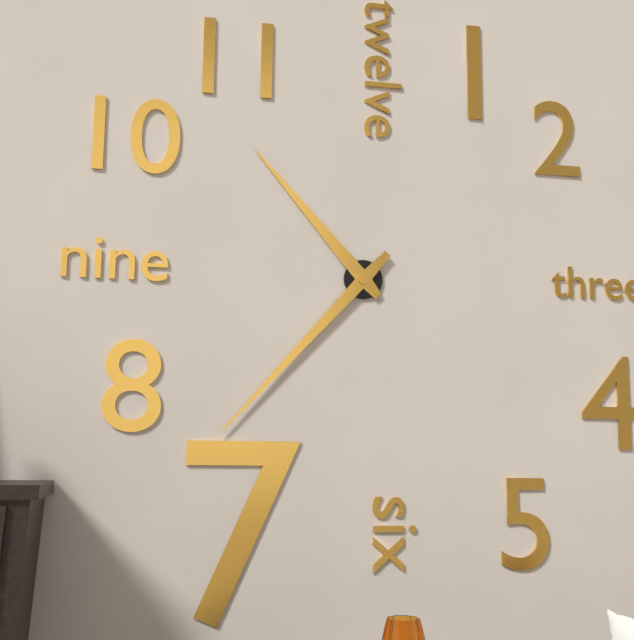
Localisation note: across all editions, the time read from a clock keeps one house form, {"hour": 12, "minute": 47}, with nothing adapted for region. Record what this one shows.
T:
{"hour": 10, "minute": 37}
